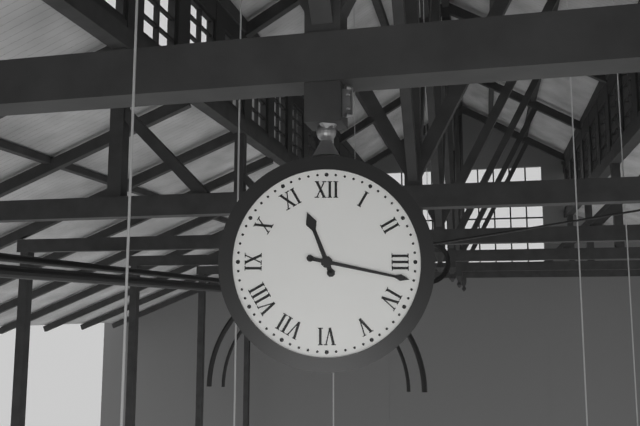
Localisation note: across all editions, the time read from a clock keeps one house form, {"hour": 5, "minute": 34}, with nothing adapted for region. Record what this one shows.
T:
{"hour": 11, "minute": 17}
